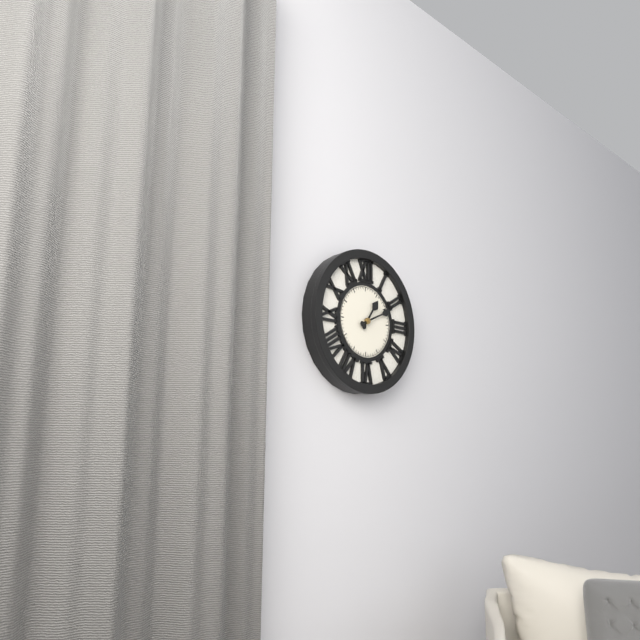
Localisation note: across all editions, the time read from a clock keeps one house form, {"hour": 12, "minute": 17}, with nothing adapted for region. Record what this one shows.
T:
{"hour": 1, "minute": 11}
